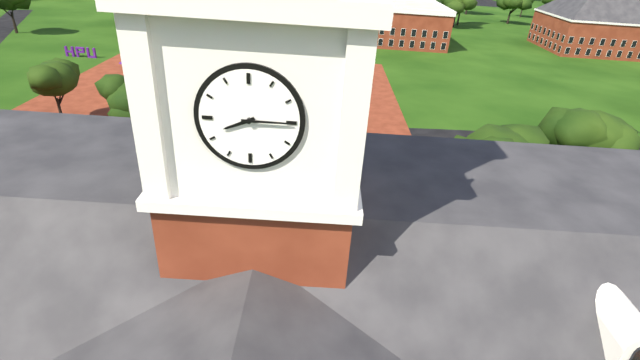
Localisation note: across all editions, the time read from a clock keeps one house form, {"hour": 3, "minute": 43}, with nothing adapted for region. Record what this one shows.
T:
{"hour": 8, "minute": 15}
